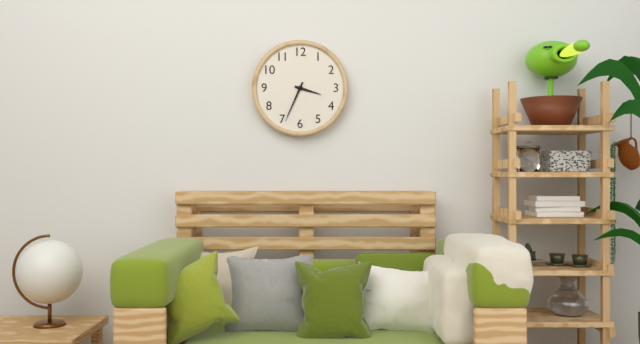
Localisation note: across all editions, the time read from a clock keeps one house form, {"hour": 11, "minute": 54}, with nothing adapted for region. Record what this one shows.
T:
{"hour": 3, "minute": 34}
